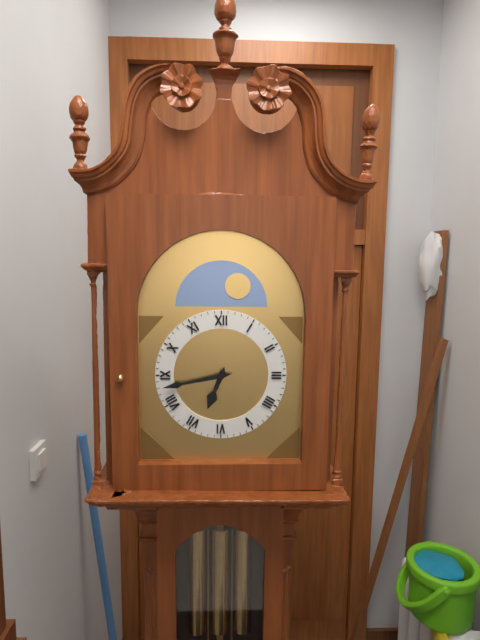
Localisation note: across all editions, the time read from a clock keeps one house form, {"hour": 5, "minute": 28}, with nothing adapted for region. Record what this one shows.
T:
{"hour": 6, "minute": 43}
